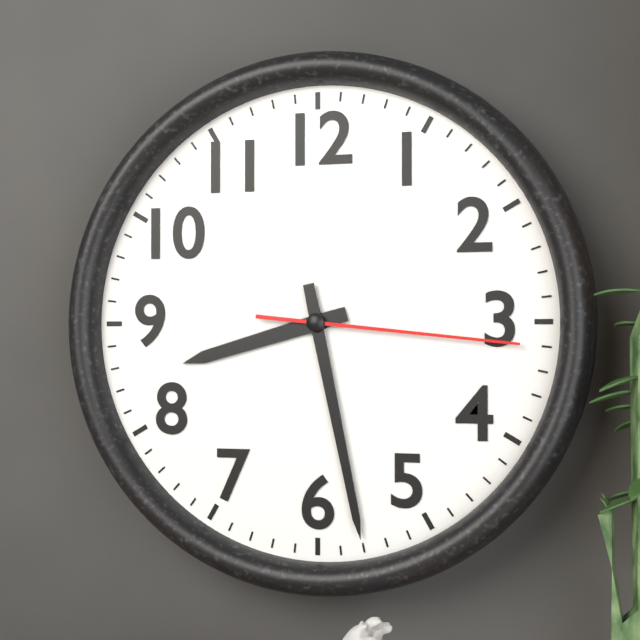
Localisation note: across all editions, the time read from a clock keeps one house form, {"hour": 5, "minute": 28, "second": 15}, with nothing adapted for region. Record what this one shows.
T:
{"hour": 8, "minute": 28, "second": 16}
